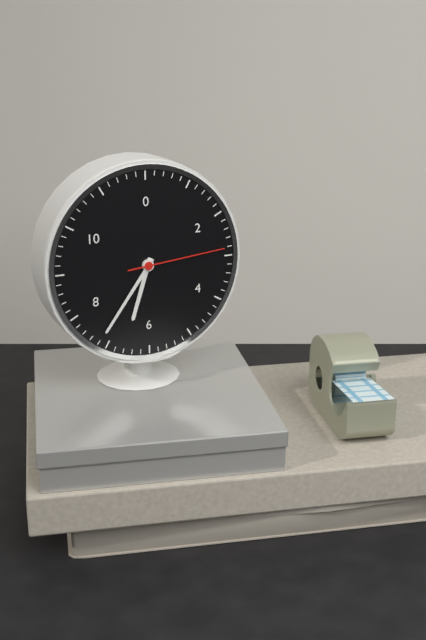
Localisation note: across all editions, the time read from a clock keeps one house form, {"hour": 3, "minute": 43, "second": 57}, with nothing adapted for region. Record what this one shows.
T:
{"hour": 6, "minute": 36, "second": 14}
